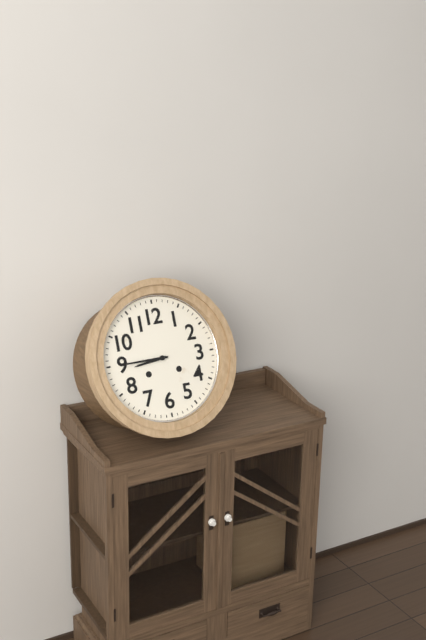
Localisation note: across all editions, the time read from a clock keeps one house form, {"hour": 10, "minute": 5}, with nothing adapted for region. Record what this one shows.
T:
{"hour": 8, "minute": 45}
